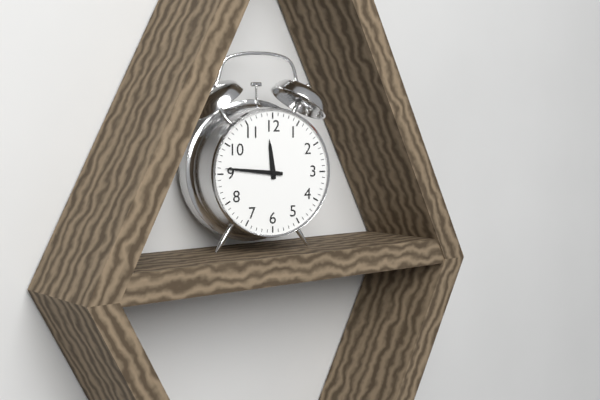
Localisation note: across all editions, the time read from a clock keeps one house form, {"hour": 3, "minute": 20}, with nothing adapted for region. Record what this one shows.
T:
{"hour": 11, "minute": 46}
